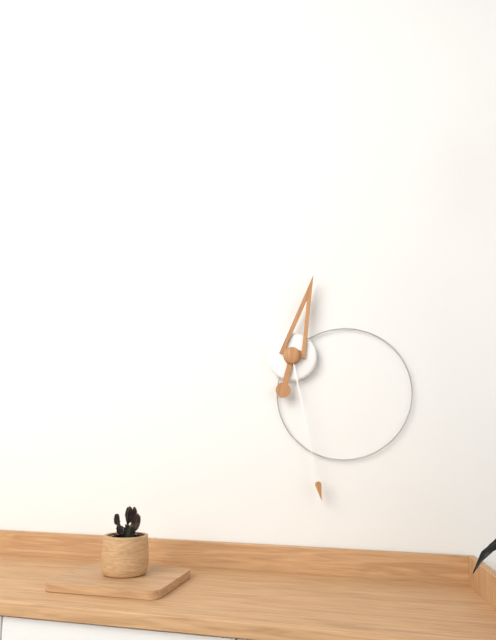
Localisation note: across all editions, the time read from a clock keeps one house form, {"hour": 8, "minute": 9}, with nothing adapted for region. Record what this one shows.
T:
{"hour": 12, "minute": 28}
